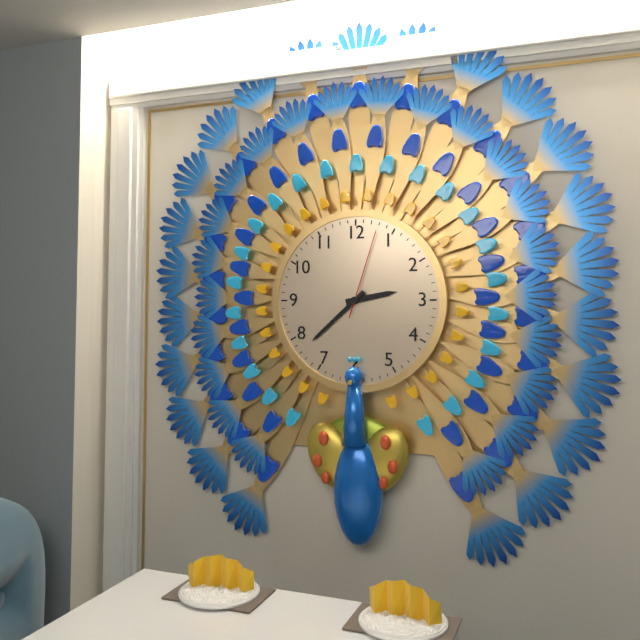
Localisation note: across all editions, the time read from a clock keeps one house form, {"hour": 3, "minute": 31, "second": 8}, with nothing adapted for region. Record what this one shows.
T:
{"hour": 2, "minute": 38, "second": 3}
